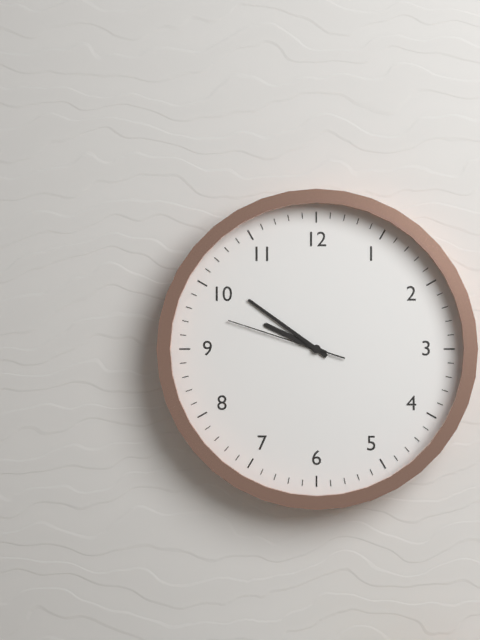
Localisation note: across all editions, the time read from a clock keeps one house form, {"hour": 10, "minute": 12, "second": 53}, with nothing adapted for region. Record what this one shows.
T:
{"hour": 9, "minute": 51, "second": 48}
